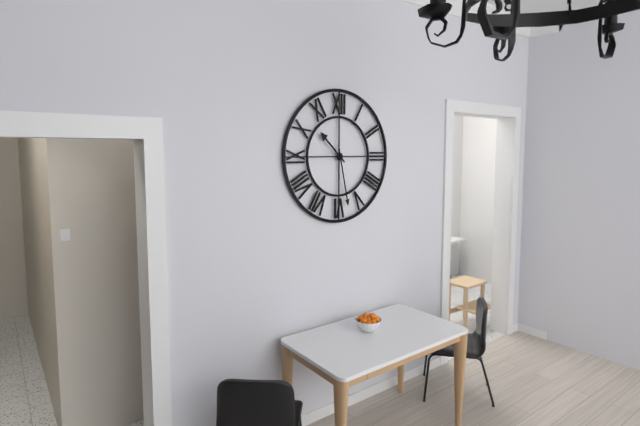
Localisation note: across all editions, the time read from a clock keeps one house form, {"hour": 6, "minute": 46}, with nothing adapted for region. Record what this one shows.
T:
{"hour": 10, "minute": 28}
